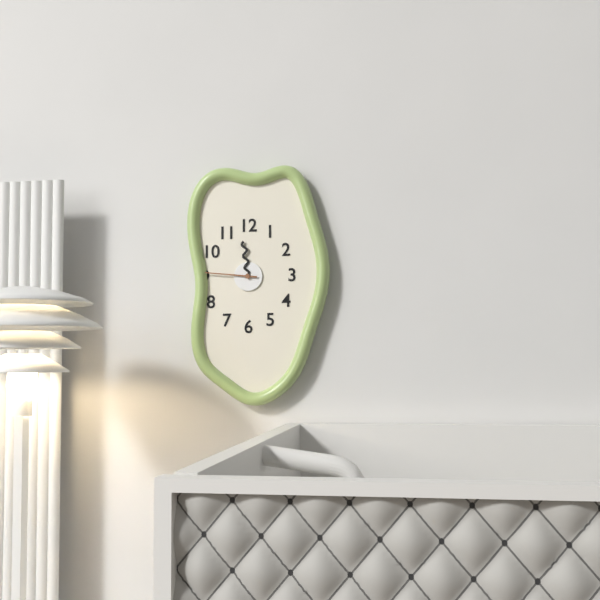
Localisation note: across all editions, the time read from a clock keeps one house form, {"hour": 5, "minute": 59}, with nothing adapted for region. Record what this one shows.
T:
{"hour": 11, "minute": 46}
